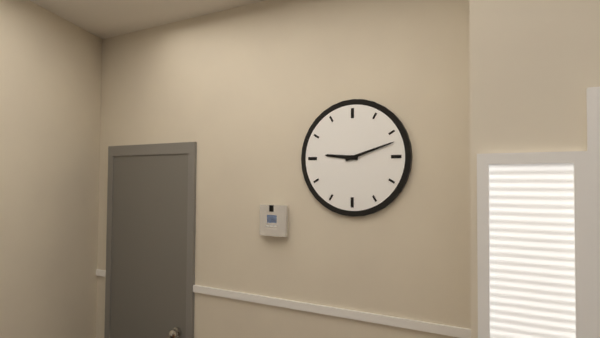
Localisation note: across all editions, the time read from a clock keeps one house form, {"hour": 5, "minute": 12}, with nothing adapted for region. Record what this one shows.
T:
{"hour": 9, "minute": 12}
